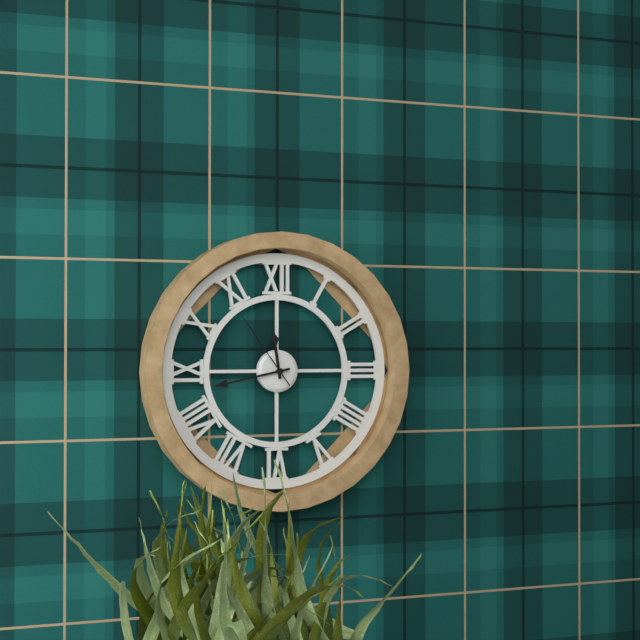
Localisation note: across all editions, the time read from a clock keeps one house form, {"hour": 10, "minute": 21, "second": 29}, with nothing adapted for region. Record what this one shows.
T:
{"hour": 11, "minute": 43, "second": 54}
